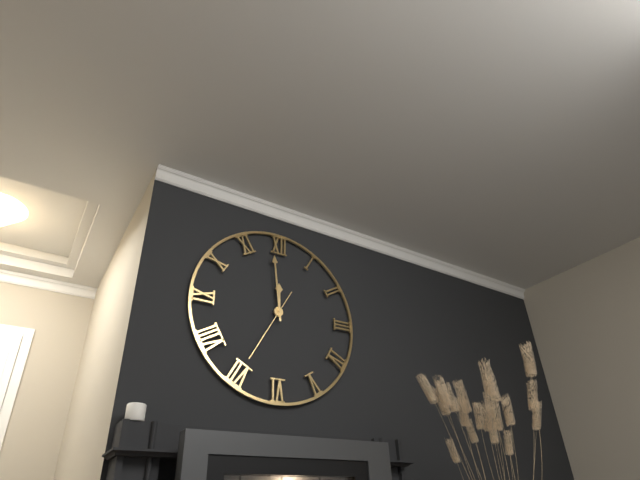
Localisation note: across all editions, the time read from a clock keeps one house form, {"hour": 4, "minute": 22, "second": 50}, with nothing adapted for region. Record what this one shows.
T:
{"hour": 11, "minute": 59, "second": 35}
